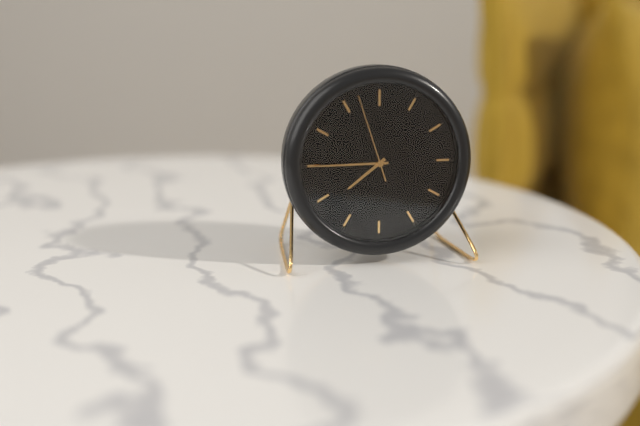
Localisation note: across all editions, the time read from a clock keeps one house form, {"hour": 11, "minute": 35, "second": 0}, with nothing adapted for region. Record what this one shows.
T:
{"hour": 7, "minute": 45, "second": 57}
